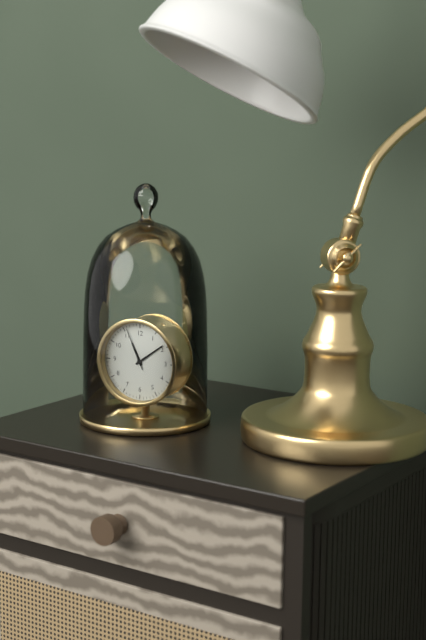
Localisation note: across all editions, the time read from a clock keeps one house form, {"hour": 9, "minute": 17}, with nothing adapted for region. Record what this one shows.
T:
{"hour": 11, "minute": 9}
